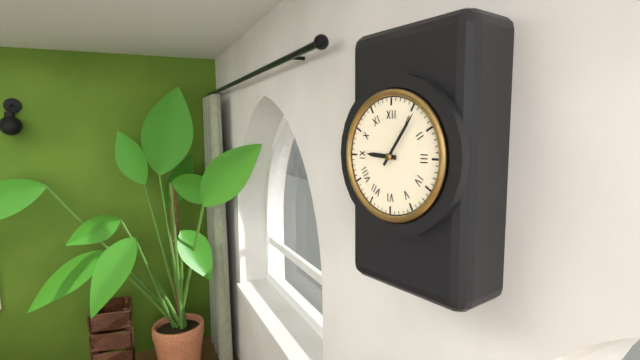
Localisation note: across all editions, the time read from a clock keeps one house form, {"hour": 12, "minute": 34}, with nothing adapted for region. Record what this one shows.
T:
{"hour": 9, "minute": 6}
